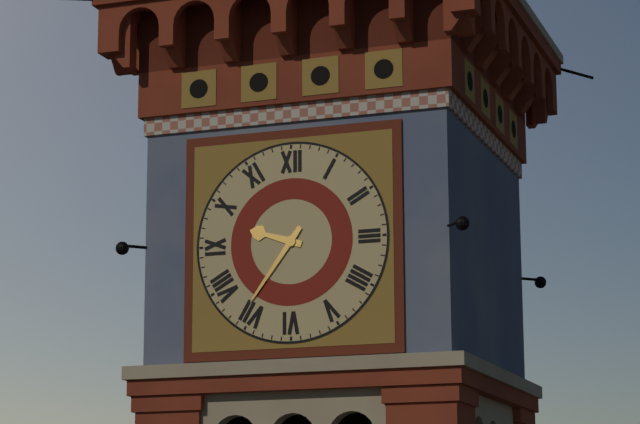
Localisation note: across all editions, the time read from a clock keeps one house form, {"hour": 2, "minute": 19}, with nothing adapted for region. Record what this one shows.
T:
{"hour": 9, "minute": 36}
